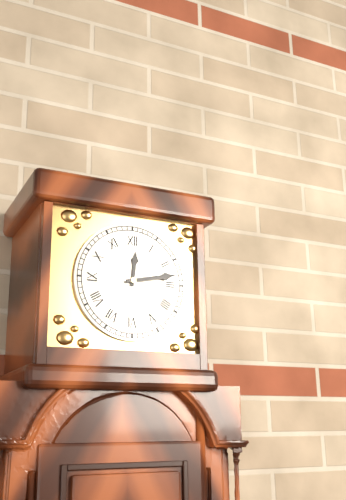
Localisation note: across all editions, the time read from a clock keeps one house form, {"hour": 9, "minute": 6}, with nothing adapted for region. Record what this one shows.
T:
{"hour": 12, "minute": 13}
